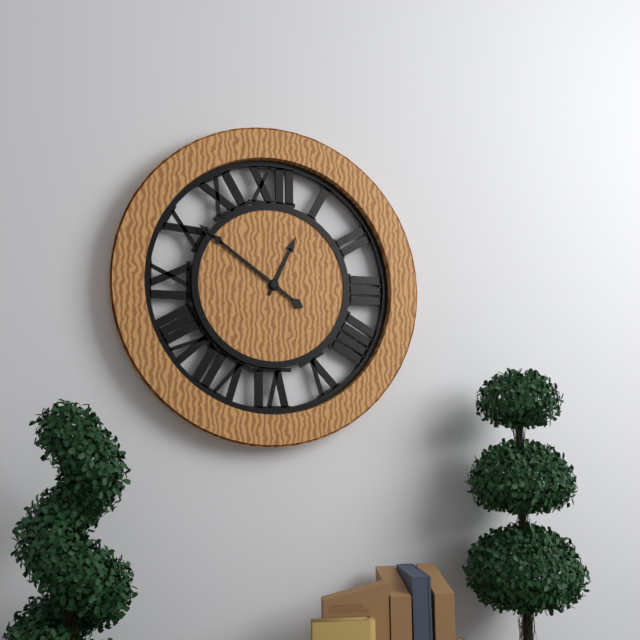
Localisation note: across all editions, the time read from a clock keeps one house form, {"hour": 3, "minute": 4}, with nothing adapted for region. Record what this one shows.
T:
{"hour": 12, "minute": 51}
